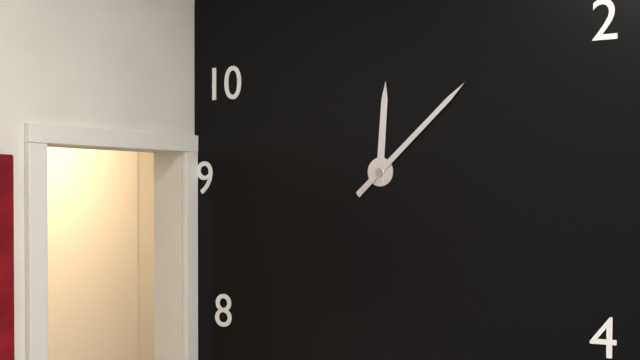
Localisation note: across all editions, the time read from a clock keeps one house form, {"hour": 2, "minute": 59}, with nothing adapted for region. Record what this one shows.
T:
{"hour": 12, "minute": 8}
